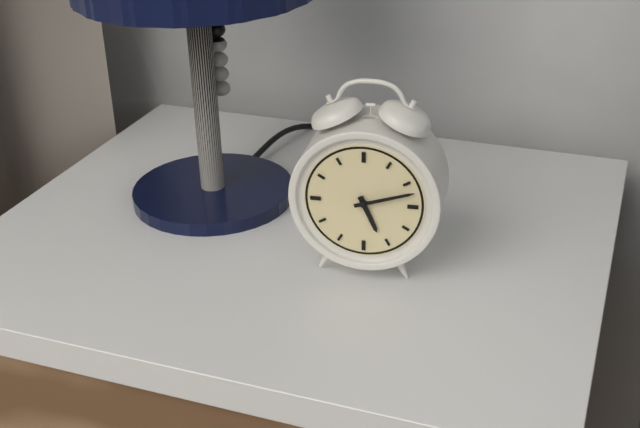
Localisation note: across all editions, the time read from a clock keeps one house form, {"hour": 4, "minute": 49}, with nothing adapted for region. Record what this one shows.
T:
{"hour": 5, "minute": 12}
